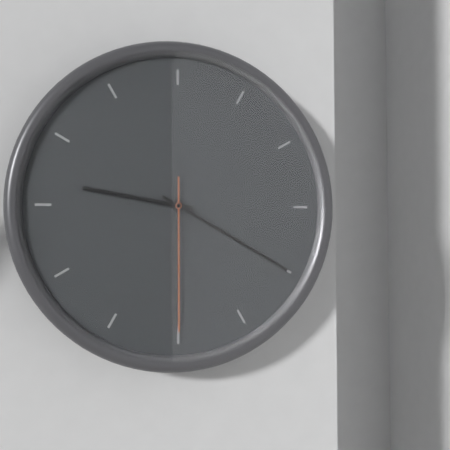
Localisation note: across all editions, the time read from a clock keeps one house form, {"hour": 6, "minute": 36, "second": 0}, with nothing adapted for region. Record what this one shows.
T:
{"hour": 9, "minute": 20, "second": 30}
